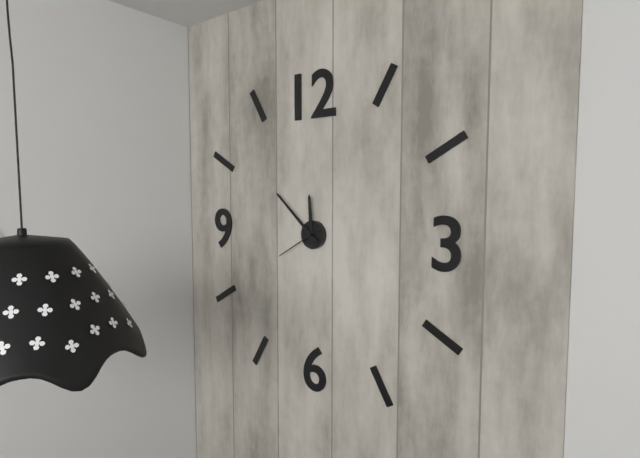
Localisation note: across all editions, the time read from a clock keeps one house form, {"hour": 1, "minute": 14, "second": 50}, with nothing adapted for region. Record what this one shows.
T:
{"hour": 11, "minute": 52, "second": 40}
